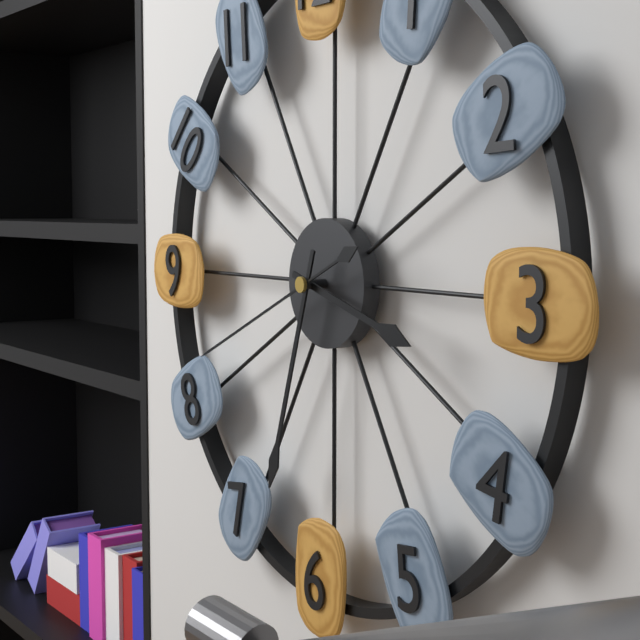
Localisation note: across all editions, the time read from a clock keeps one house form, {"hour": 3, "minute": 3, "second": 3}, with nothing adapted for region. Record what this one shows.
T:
{"hour": 3, "minute": 33, "second": 41}
